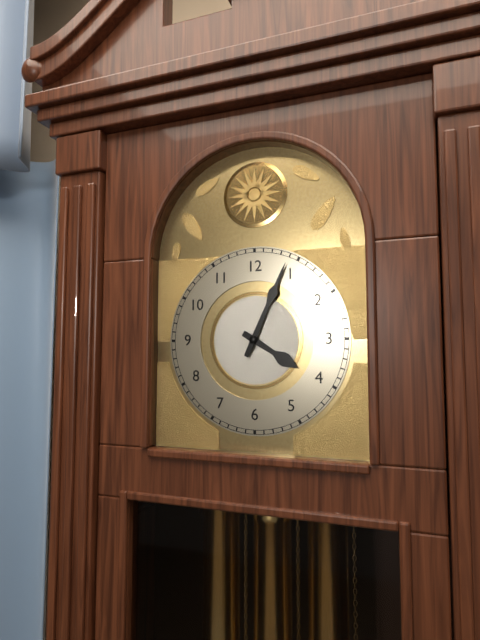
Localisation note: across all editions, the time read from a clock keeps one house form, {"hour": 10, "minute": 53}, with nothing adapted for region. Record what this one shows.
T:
{"hour": 4, "minute": 4}
